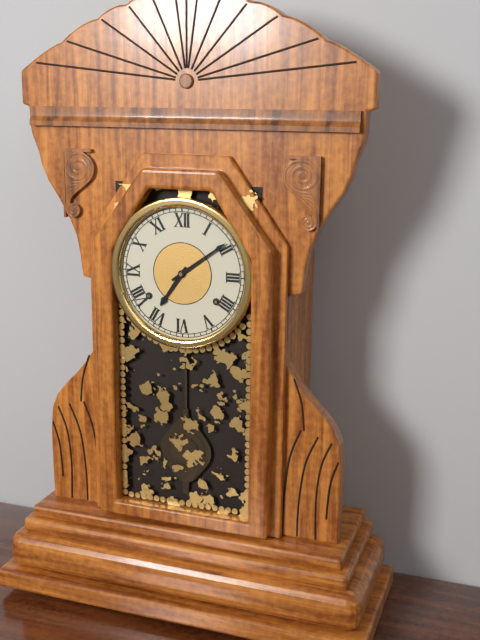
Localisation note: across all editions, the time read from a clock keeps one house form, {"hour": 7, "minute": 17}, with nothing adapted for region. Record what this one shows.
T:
{"hour": 7, "minute": 9}
